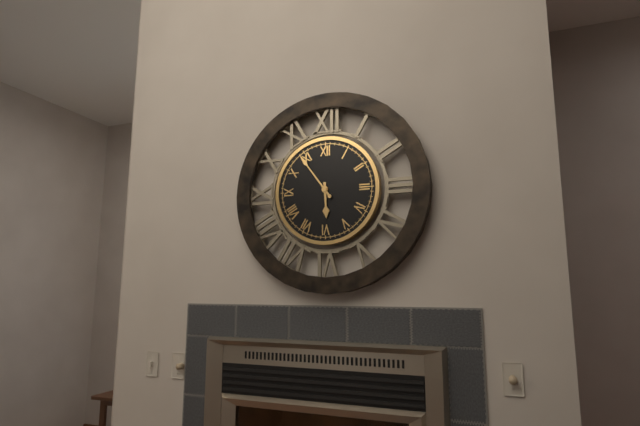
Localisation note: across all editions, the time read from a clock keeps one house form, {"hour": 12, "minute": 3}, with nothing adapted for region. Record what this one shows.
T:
{"hour": 5, "minute": 54}
